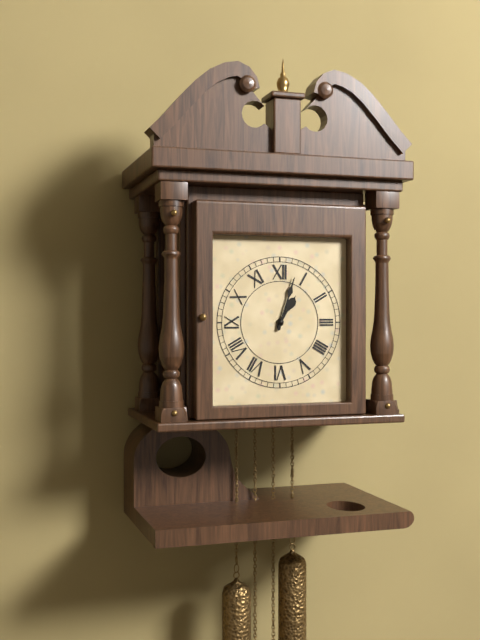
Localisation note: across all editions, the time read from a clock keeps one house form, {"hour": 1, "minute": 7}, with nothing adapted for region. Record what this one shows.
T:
{"hour": 1, "minute": 3}
